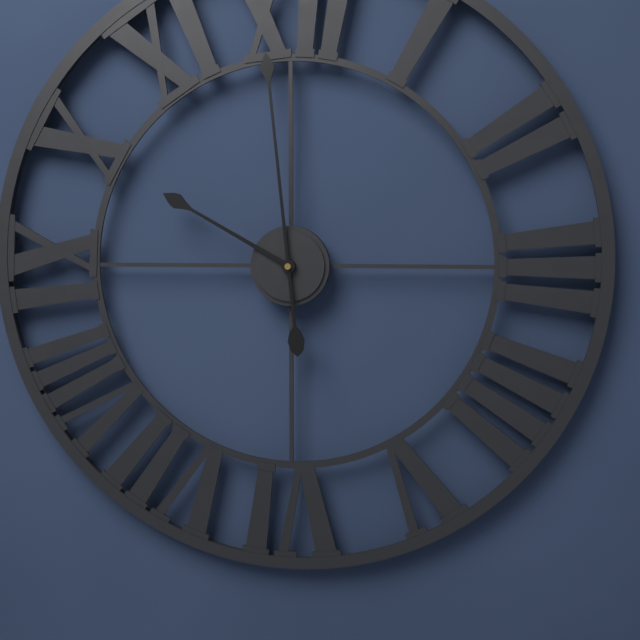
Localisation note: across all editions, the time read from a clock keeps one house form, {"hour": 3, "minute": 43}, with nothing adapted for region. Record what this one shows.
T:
{"hour": 9, "minute": 59}
